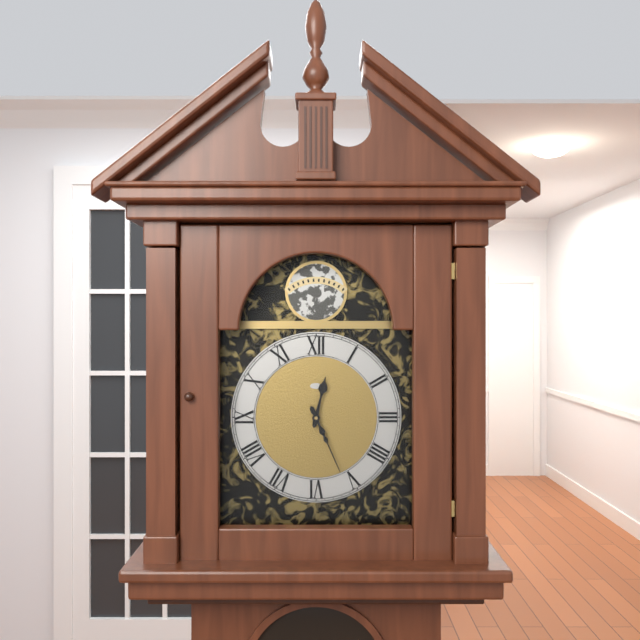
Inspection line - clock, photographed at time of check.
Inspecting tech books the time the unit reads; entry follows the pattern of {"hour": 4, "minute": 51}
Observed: {"hour": 12, "minute": 26}
